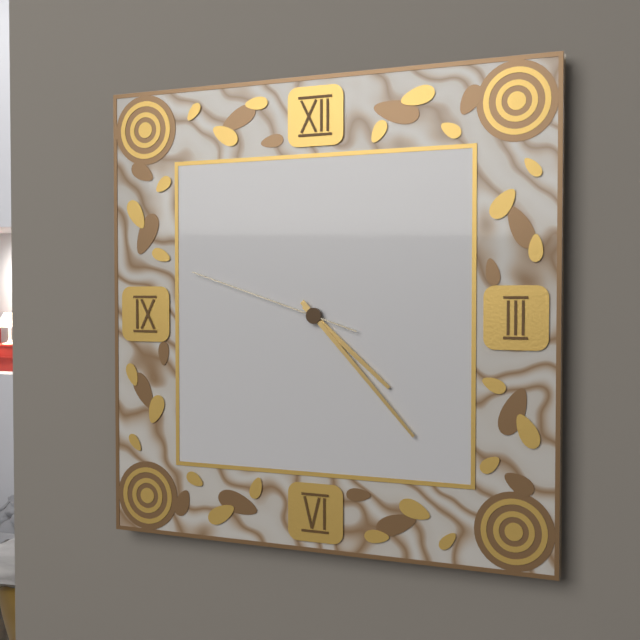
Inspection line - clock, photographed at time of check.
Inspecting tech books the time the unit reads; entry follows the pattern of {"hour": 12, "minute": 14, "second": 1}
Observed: {"hour": 4, "minute": 23, "second": 48}
